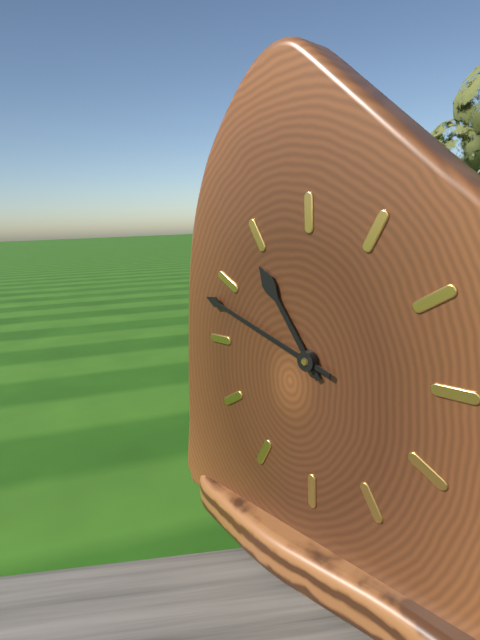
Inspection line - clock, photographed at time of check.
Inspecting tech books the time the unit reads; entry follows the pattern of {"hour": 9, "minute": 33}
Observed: {"hour": 10, "minute": 48}
